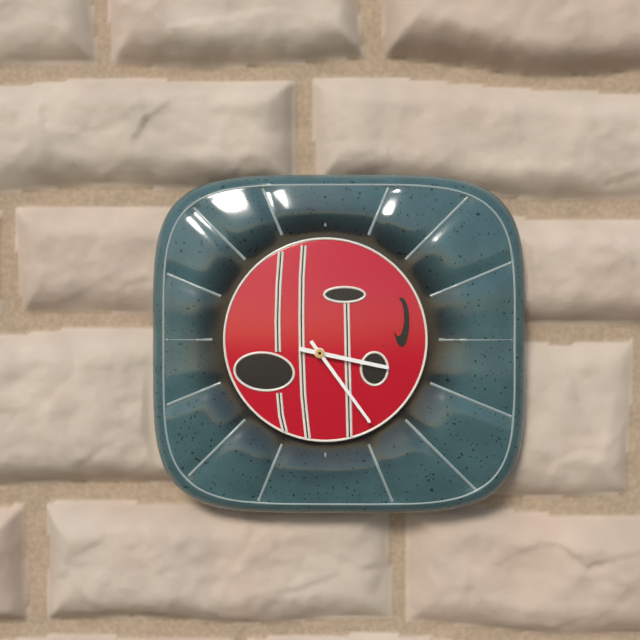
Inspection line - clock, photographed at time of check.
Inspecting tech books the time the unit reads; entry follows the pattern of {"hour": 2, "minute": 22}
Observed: {"hour": 3, "minute": 24}
